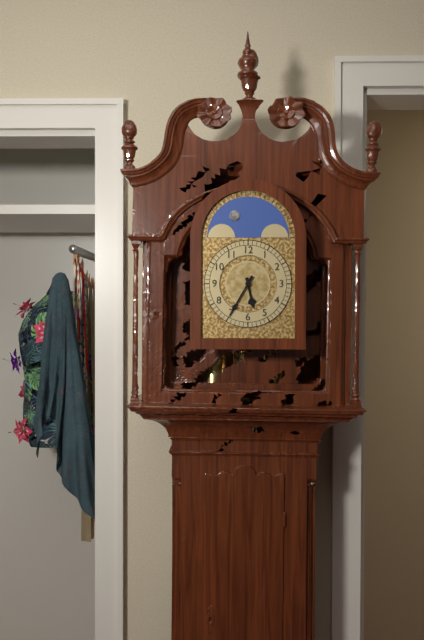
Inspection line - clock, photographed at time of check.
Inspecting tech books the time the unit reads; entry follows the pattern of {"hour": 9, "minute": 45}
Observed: {"hour": 5, "minute": 35}
